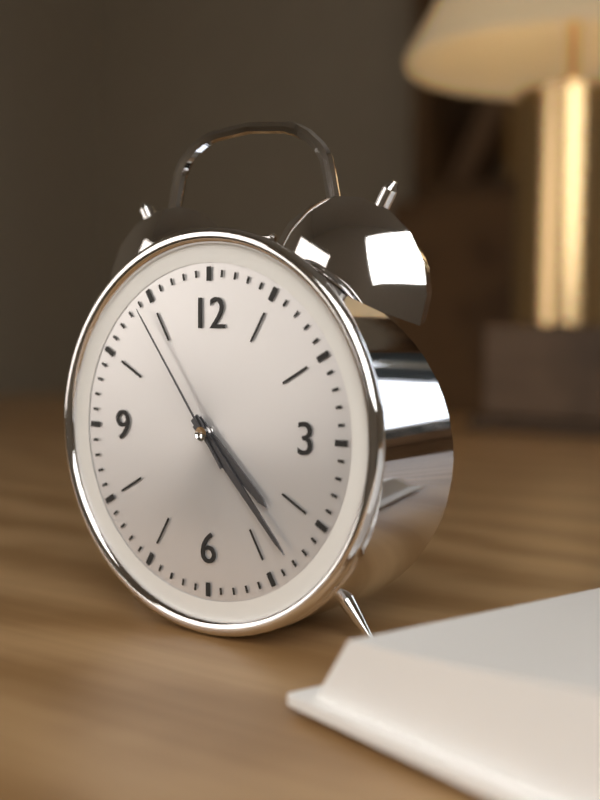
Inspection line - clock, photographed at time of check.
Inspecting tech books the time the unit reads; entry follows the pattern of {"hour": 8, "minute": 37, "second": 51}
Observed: {"hour": 4, "minute": 23, "second": 54}
